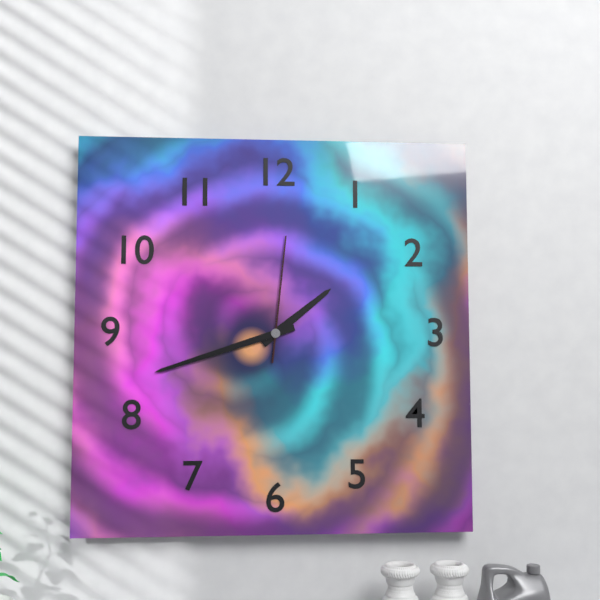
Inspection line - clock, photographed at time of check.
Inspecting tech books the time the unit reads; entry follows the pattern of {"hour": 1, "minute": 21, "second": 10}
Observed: {"hour": 1, "minute": 42, "second": 1}
